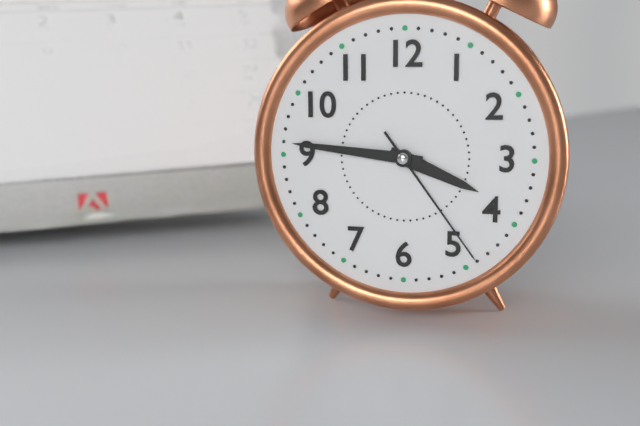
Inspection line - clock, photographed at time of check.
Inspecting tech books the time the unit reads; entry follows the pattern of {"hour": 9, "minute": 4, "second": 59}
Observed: {"hour": 3, "minute": 46, "second": 24}
